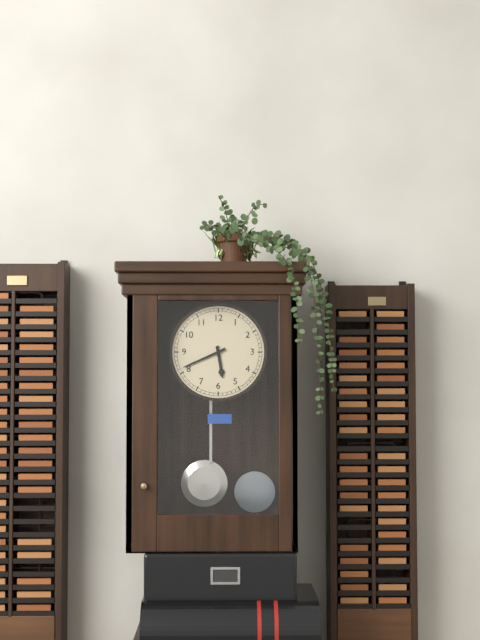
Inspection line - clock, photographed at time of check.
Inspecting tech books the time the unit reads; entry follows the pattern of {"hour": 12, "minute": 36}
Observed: {"hour": 5, "minute": 41}
